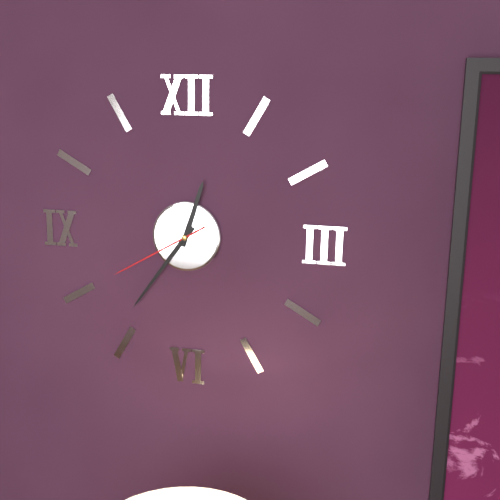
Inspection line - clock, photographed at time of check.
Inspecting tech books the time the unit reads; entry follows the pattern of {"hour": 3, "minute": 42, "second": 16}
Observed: {"hour": 12, "minute": 36, "second": 40}
